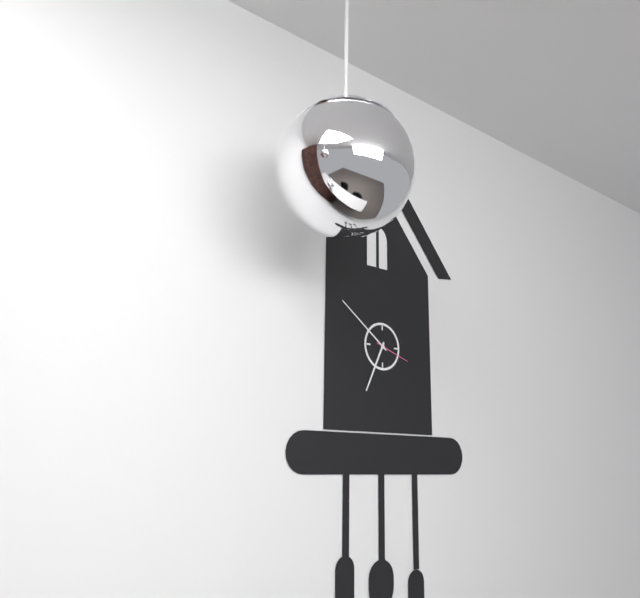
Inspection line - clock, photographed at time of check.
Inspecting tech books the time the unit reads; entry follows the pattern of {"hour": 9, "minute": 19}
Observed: {"hour": 6, "minute": 51}
